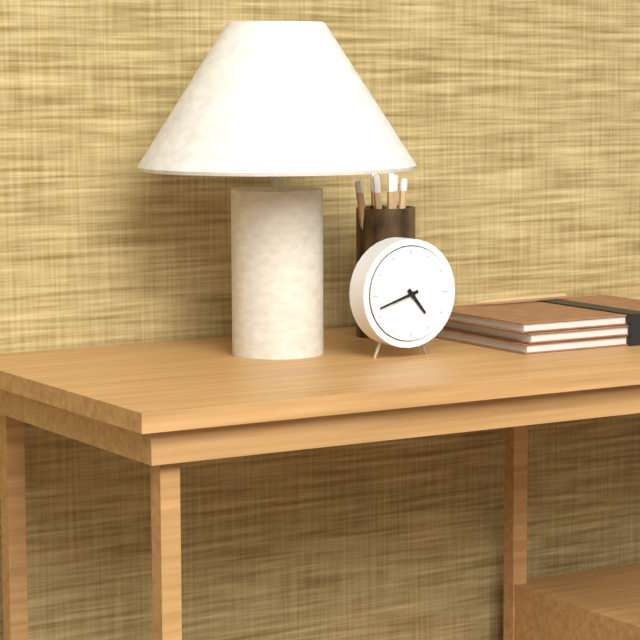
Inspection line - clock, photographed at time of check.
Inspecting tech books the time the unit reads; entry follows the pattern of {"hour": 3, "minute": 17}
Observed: {"hour": 4, "minute": 42}
